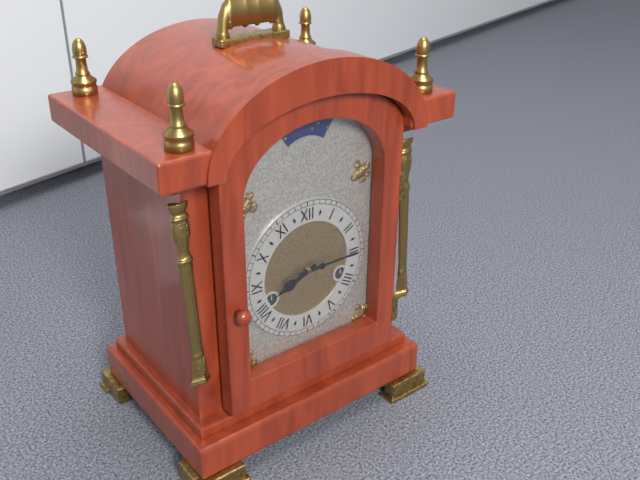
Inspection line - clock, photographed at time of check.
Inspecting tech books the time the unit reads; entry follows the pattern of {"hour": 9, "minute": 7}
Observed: {"hour": 8, "minute": 15}
